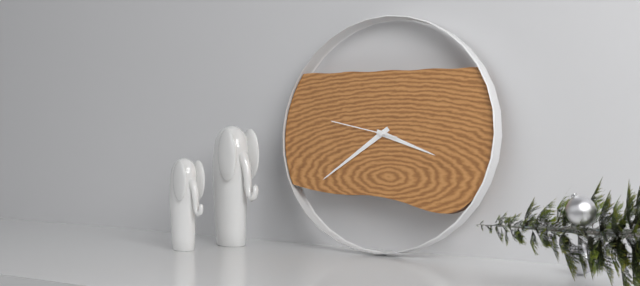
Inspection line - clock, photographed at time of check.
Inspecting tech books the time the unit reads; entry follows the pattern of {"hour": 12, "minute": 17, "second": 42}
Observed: {"hour": 3, "minute": 39, "second": 47}
